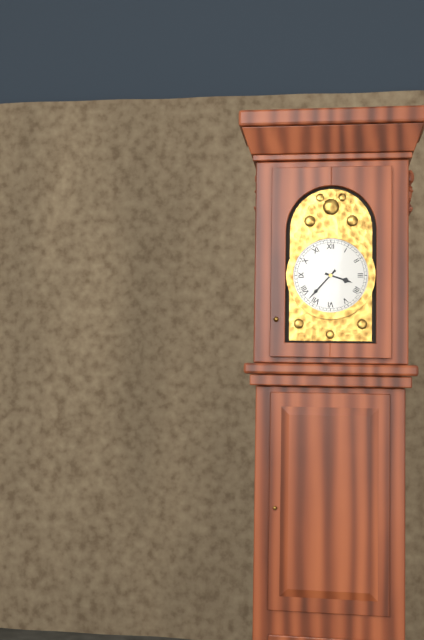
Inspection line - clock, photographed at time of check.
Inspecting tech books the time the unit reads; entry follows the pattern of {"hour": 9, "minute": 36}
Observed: {"hour": 3, "minute": 37}
